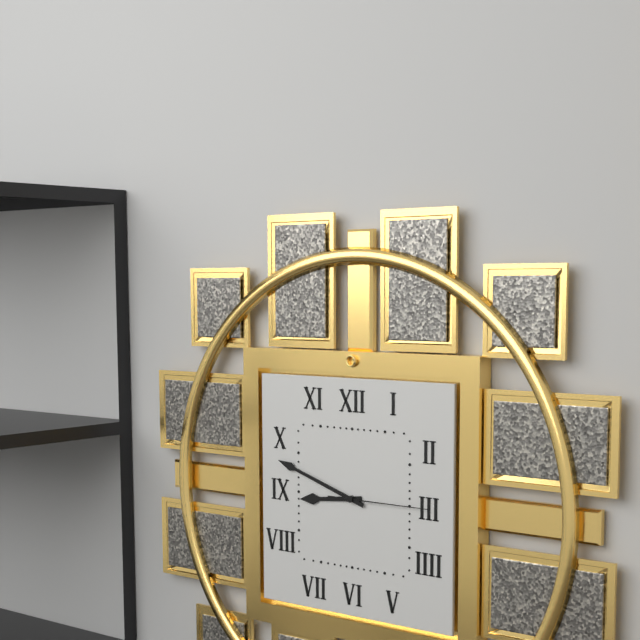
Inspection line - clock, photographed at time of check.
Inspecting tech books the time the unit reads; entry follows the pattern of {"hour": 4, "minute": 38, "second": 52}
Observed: {"hour": 8, "minute": 48, "second": 15}
